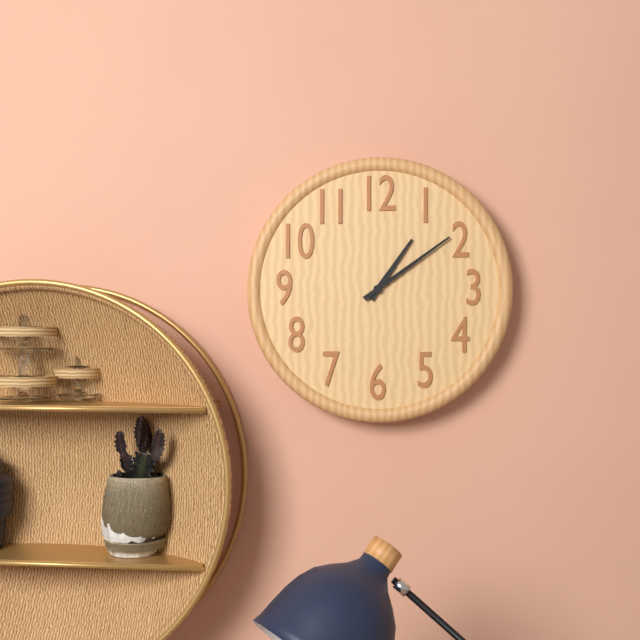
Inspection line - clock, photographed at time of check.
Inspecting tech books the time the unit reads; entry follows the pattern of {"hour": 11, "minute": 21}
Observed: {"hour": 1, "minute": 9}
